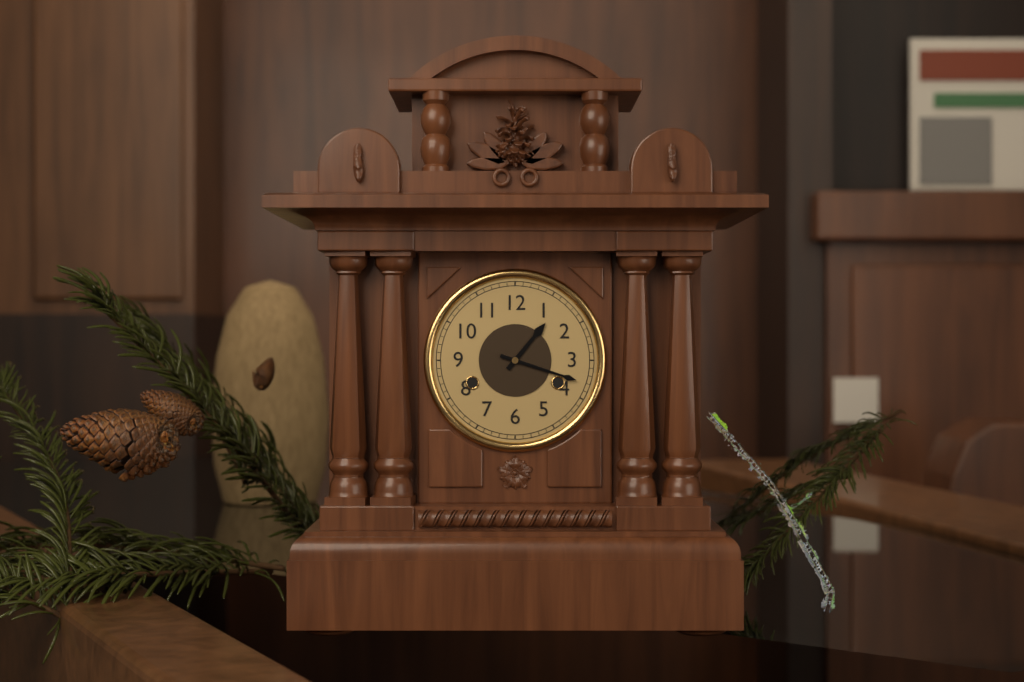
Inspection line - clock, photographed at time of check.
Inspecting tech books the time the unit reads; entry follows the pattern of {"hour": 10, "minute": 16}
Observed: {"hour": 1, "minute": 18}
